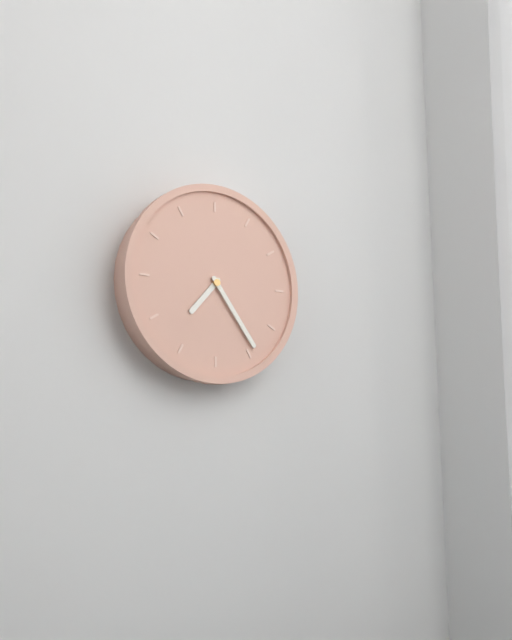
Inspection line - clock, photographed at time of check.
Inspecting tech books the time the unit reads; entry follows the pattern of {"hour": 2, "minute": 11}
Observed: {"hour": 7, "minute": 24}
